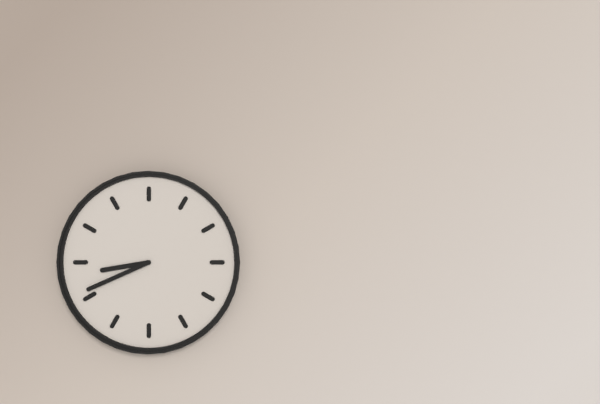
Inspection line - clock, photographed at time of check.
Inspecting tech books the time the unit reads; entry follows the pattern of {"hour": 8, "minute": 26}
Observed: {"hour": 8, "minute": 41}
